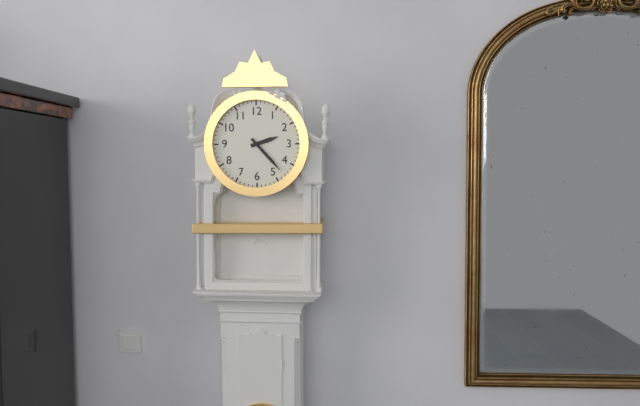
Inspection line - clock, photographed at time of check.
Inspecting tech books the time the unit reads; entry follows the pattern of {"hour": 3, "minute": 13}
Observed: {"hour": 2, "minute": 23}
